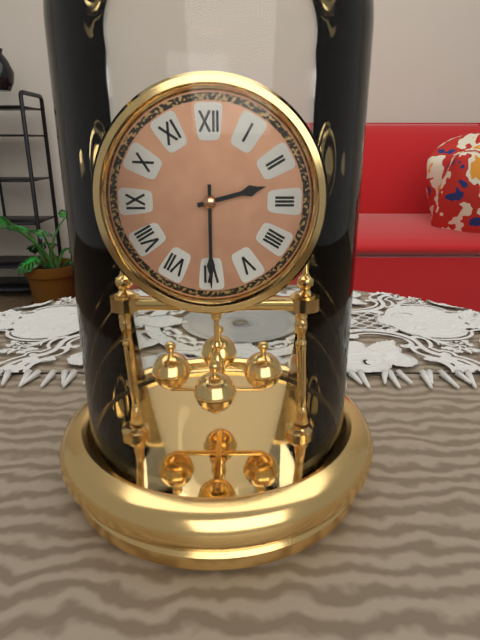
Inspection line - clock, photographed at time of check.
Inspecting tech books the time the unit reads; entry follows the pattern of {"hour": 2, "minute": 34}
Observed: {"hour": 2, "minute": 30}
